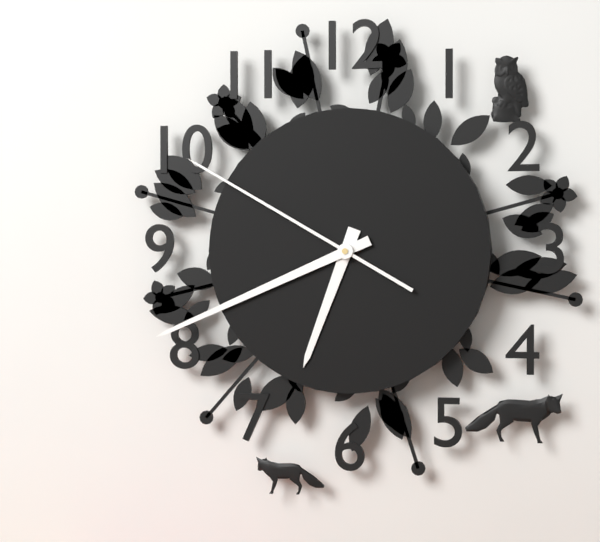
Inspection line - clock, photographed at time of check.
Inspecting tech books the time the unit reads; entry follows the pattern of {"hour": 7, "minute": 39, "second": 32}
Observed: {"hour": 6, "minute": 41, "second": 50}
